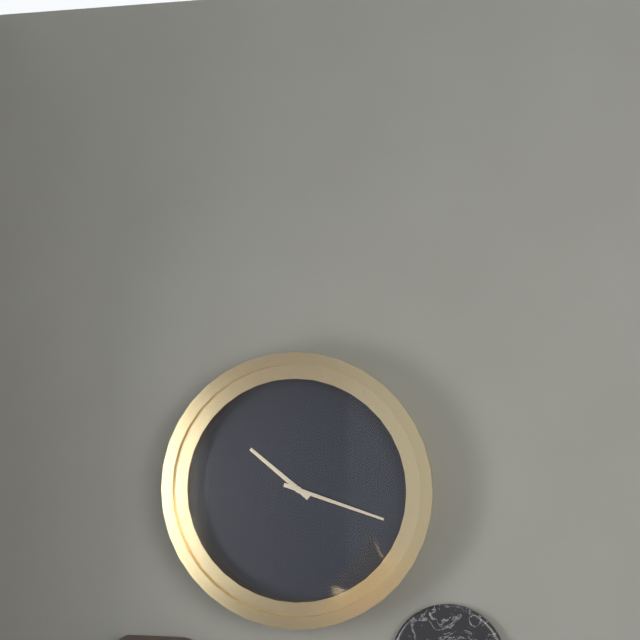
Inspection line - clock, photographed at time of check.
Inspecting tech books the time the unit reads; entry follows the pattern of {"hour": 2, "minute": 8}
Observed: {"hour": 10, "minute": 18}
